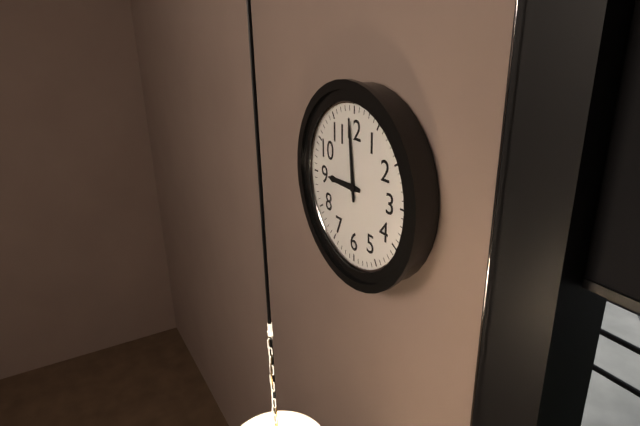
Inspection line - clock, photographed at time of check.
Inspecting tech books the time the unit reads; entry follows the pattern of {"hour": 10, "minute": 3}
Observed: {"hour": 8, "minute": 59}
